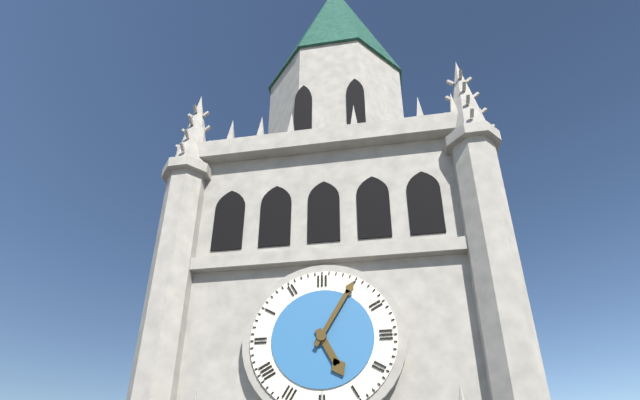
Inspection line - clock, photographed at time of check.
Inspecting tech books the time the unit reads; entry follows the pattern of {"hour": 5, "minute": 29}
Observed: {"hour": 5, "minute": 5}
